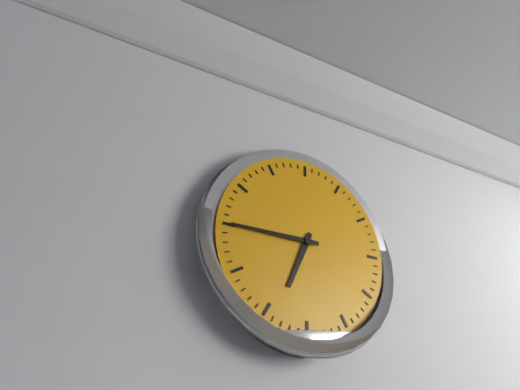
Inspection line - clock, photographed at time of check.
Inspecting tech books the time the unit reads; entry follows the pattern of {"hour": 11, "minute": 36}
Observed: {"hour": 6, "minute": 45}
